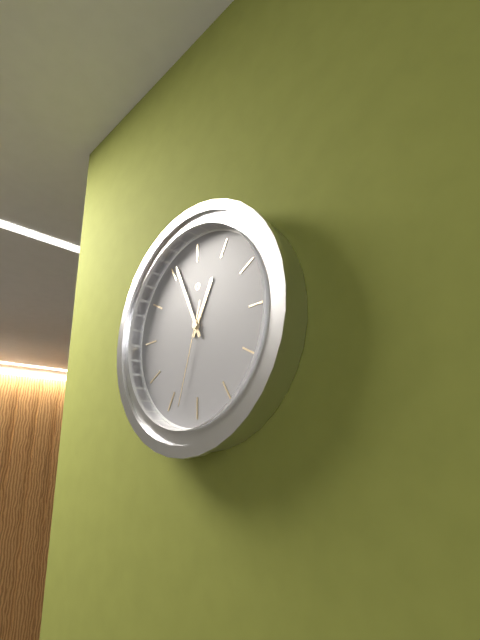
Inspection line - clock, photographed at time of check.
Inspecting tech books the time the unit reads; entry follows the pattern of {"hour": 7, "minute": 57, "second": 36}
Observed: {"hour": 12, "minute": 56, "second": 33}
